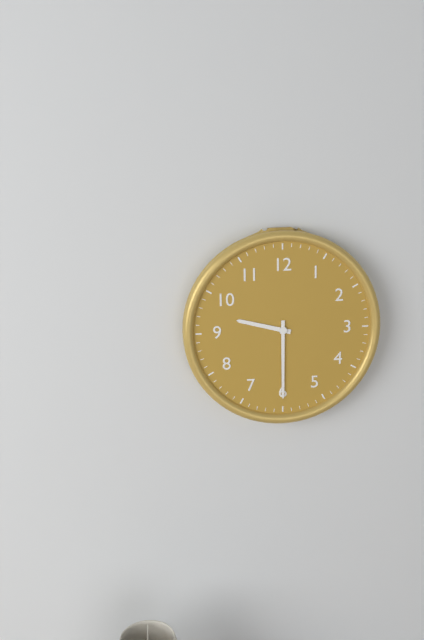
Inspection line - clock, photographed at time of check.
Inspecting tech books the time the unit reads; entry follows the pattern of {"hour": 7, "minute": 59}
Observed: {"hour": 9, "minute": 30}
